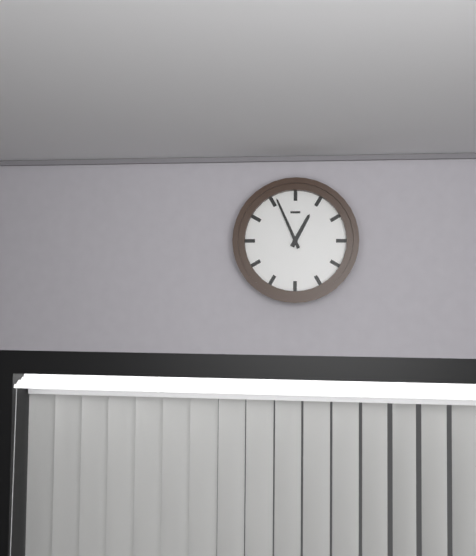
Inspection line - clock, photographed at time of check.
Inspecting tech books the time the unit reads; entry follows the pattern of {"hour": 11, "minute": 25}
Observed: {"hour": 12, "minute": 56}
